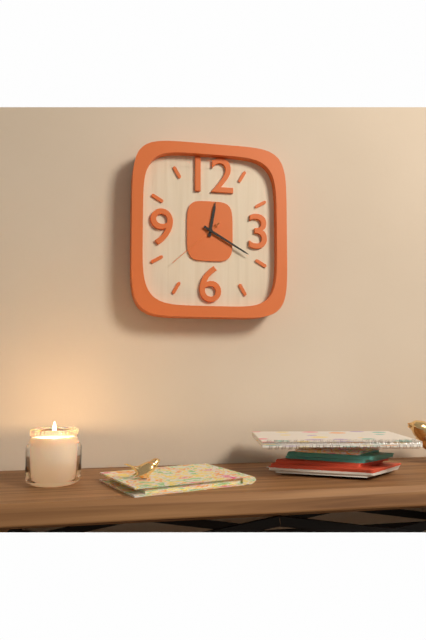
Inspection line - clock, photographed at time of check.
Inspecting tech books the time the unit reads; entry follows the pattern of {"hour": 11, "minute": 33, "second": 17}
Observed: {"hour": 12, "minute": 20, "second": 38}
